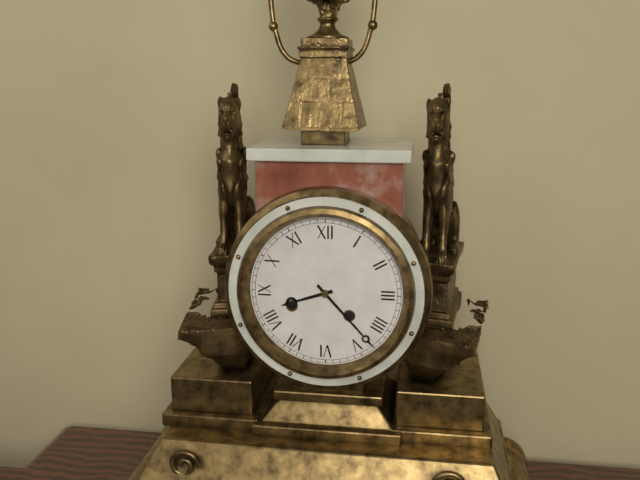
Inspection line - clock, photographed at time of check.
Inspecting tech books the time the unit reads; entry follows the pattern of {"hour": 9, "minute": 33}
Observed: {"hour": 8, "minute": 23}
